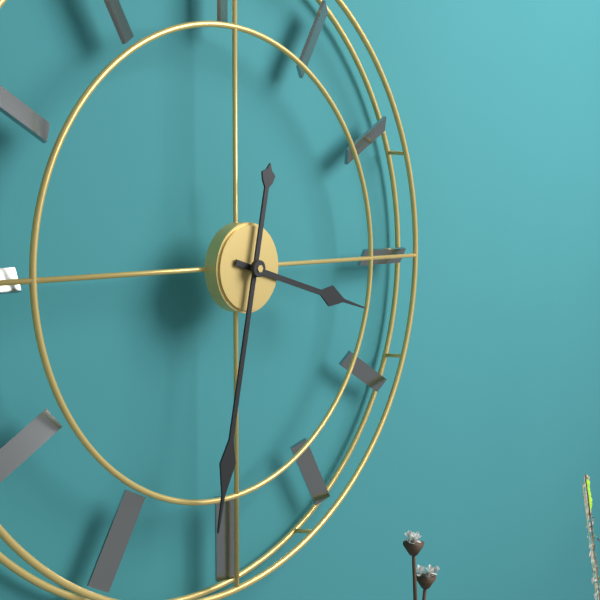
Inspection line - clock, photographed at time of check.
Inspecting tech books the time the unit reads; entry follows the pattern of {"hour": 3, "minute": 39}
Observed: {"hour": 3, "minute": 32}
